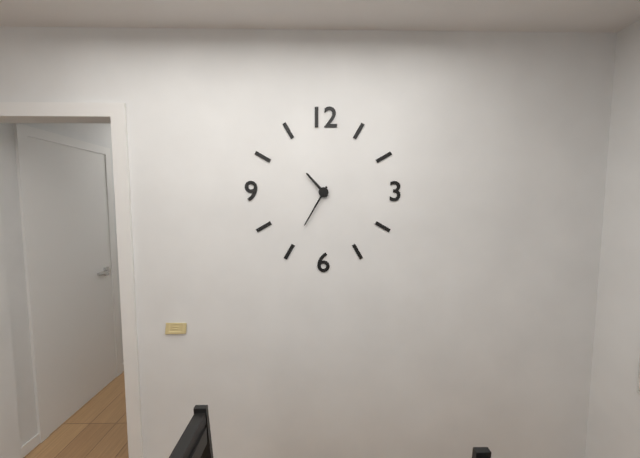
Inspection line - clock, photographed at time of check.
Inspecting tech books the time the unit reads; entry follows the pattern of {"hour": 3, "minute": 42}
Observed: {"hour": 10, "minute": 35}
